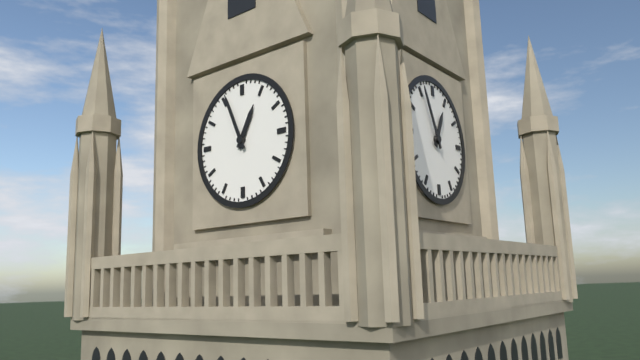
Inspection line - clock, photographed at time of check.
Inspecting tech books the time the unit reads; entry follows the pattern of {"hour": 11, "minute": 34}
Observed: {"hour": 12, "minute": 56}
